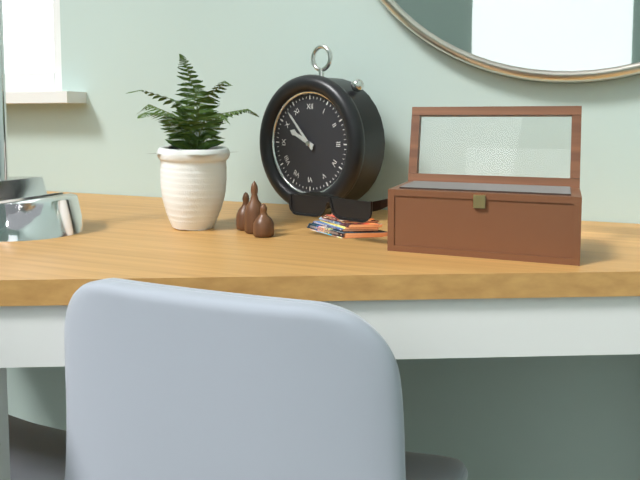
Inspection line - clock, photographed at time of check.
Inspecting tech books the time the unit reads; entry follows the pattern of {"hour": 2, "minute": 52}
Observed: {"hour": 9, "minute": 53}
